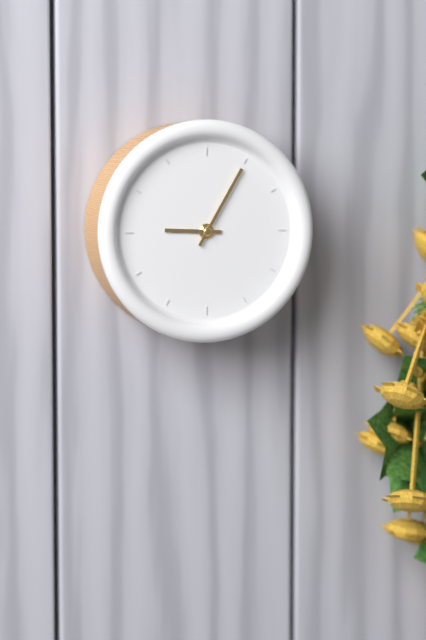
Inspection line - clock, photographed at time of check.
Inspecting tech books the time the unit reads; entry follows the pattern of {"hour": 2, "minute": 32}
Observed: {"hour": 9, "minute": 5}
